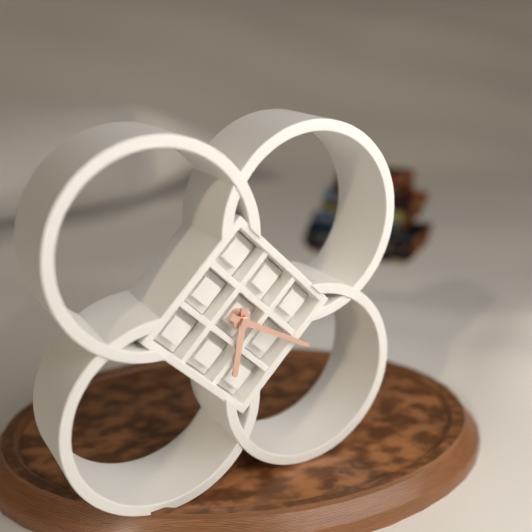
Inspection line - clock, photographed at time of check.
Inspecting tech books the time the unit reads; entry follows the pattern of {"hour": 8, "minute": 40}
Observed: {"hour": 6, "minute": 20}
